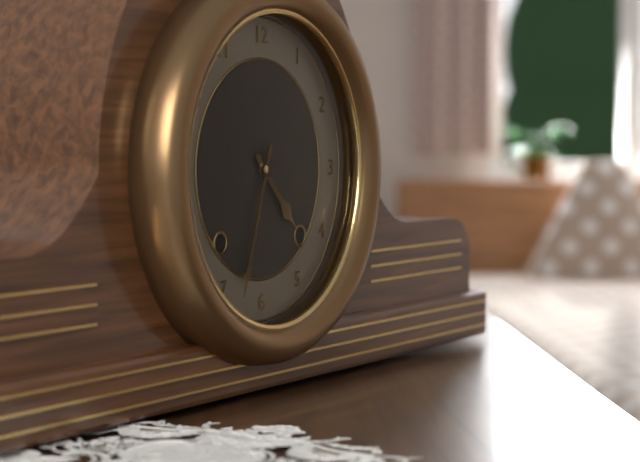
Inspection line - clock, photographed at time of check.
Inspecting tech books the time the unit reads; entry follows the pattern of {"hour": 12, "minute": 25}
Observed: {"hour": 4, "minute": 33}
